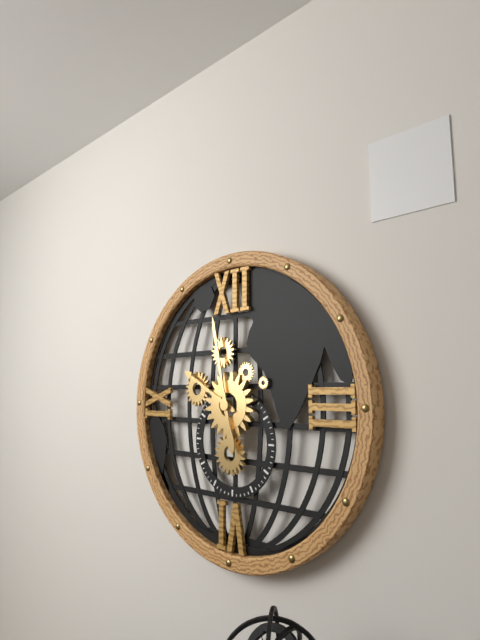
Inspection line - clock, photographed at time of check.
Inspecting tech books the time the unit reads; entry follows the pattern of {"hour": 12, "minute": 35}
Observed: {"hour": 9, "minute": 58}
